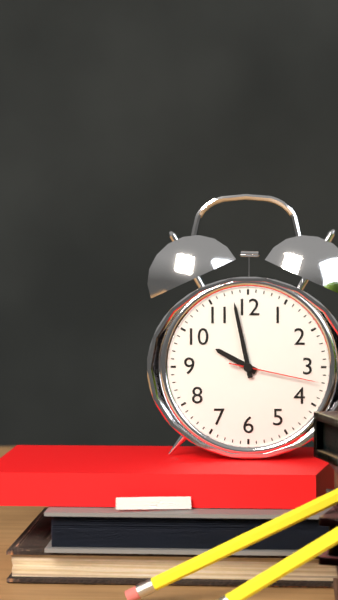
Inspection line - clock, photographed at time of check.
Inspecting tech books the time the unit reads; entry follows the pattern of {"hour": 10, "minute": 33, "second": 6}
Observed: {"hour": 9, "minute": 58, "second": 17}
